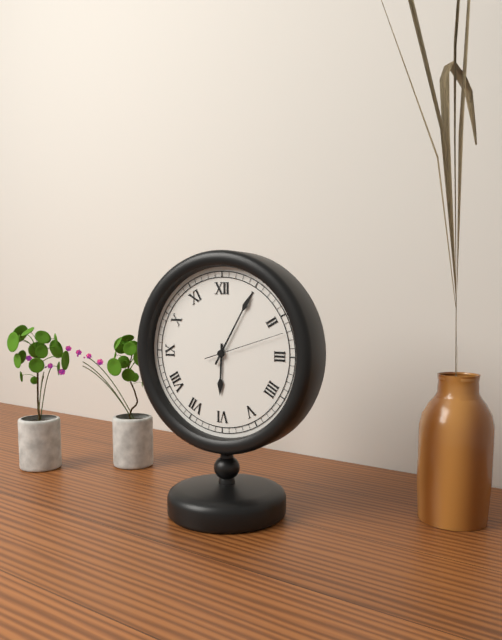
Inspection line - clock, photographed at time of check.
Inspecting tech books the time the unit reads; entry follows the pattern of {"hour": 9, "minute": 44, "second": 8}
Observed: {"hour": 6, "minute": 5, "second": 12}
